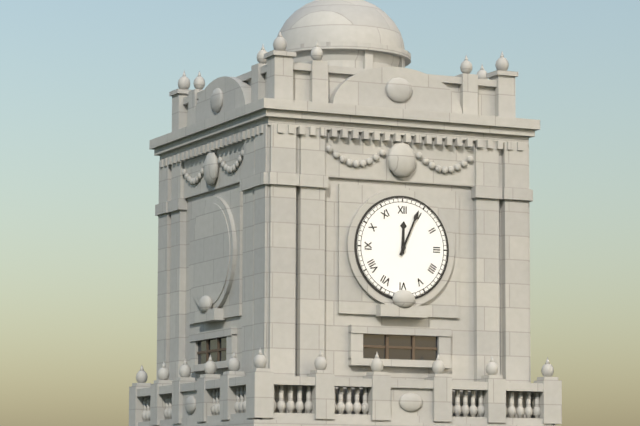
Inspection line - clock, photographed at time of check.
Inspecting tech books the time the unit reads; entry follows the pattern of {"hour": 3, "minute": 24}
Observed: {"hour": 12, "minute": 4}
